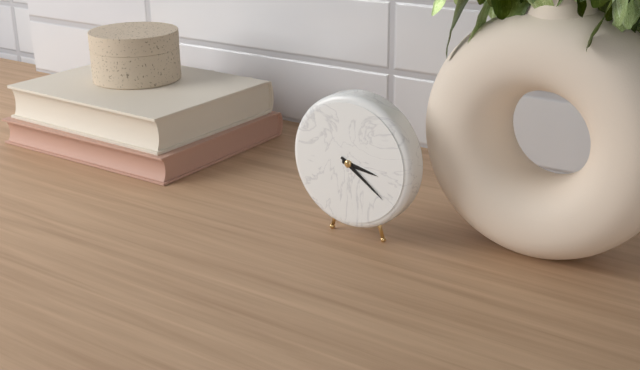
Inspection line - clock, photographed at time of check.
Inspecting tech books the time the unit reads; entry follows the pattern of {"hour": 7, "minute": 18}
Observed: {"hour": 3, "minute": 21}
